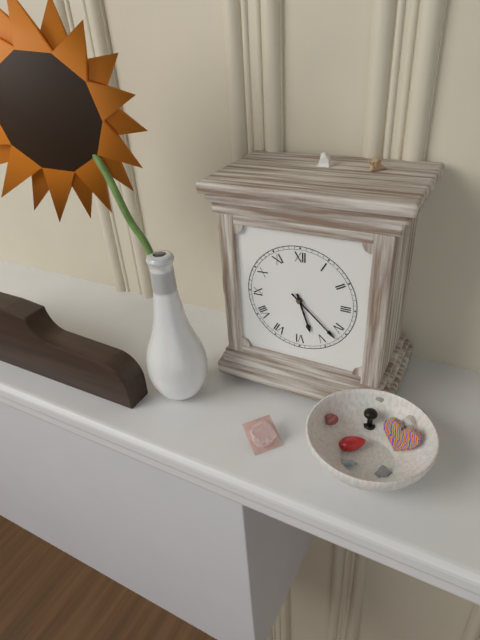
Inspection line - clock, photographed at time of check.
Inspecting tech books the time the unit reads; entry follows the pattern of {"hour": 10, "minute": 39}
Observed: {"hour": 5, "minute": 22}
